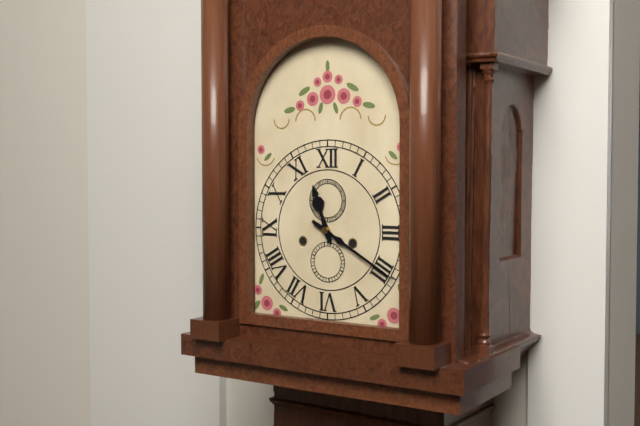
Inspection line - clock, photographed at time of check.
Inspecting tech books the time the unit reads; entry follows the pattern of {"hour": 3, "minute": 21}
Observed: {"hour": 11, "minute": 20}
